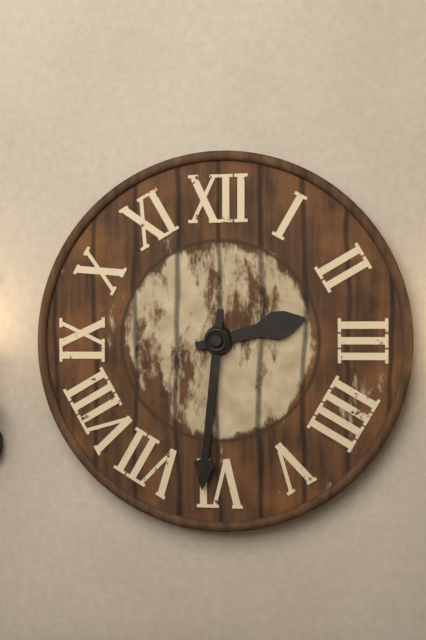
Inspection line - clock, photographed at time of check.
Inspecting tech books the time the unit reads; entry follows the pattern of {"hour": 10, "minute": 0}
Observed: {"hour": 2, "minute": 31}
